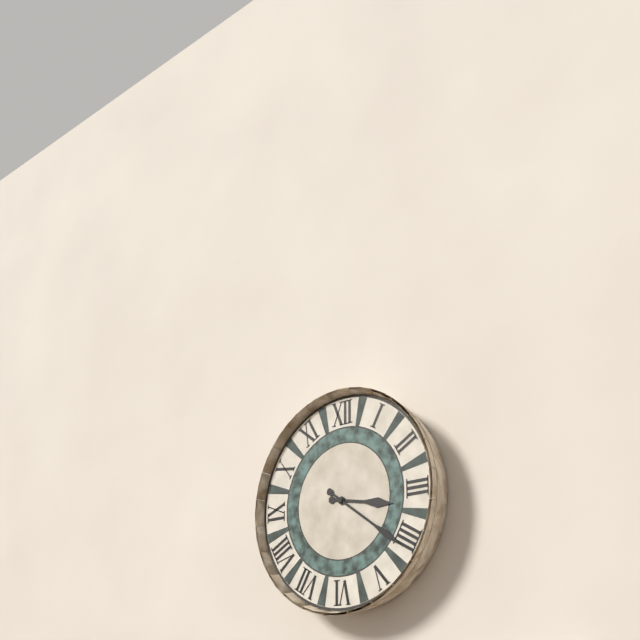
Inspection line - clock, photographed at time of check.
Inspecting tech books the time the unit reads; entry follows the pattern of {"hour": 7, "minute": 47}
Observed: {"hour": 3, "minute": 21}
